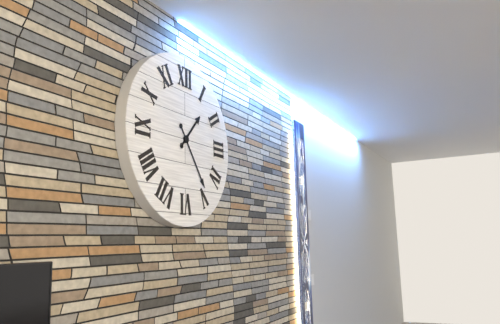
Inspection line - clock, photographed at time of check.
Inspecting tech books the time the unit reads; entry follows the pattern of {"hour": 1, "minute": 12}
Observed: {"hour": 1, "minute": 24}
